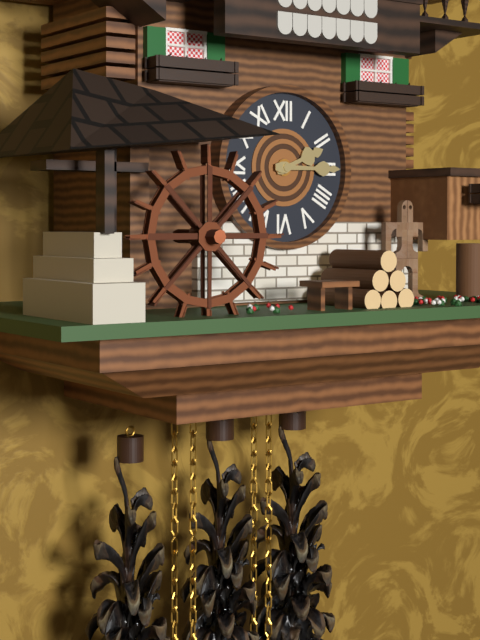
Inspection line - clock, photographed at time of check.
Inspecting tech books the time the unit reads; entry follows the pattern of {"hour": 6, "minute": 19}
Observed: {"hour": 2, "minute": 15}
